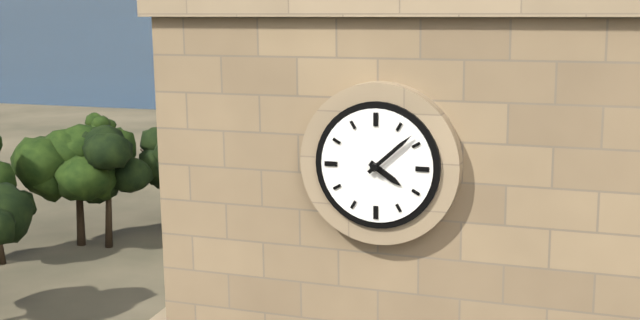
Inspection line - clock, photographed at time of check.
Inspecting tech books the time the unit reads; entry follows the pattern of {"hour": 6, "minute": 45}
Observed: {"hour": 4, "minute": 8}
